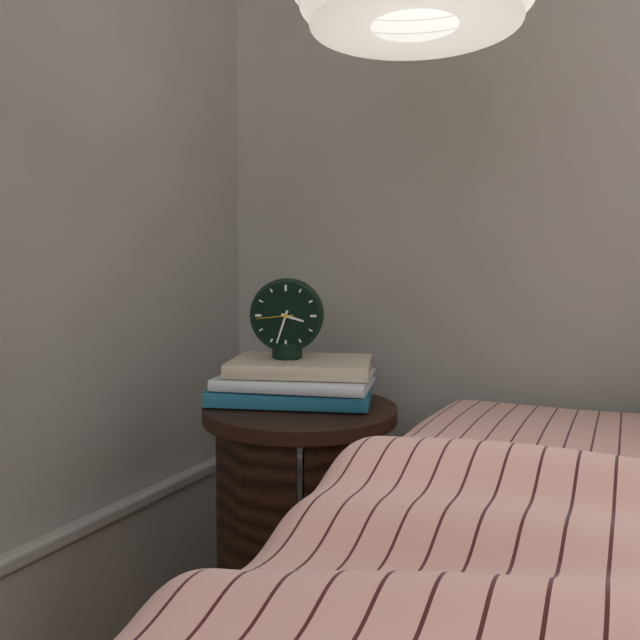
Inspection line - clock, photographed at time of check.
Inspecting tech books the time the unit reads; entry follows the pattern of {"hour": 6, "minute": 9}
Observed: {"hour": 3, "minute": 33}
